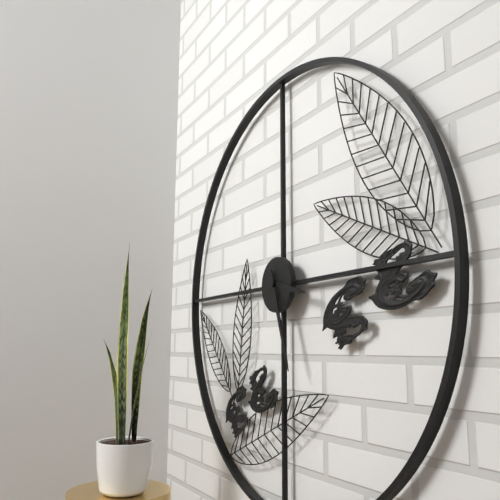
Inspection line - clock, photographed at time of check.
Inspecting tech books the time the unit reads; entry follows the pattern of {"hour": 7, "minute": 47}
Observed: {"hour": 3, "minute": 27}
